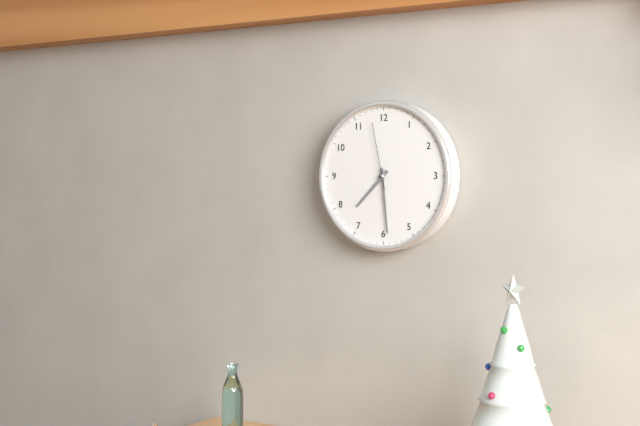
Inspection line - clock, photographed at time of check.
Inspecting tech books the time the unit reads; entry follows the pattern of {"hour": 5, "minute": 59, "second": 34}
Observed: {"hour": 7, "minute": 29, "second": 58}
